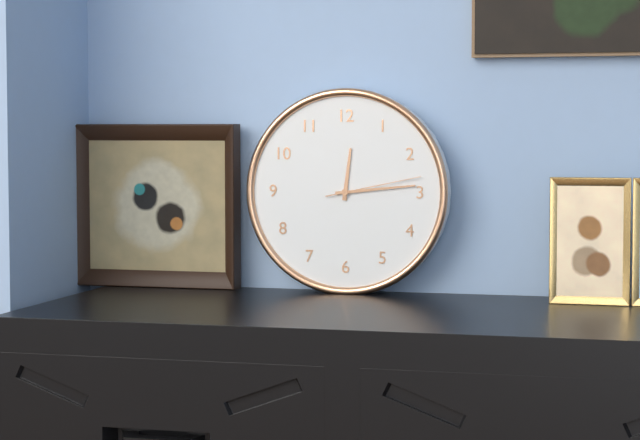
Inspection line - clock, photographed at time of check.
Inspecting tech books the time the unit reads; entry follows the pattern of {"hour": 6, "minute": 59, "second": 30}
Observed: {"hour": 12, "minute": 14, "second": 13}
